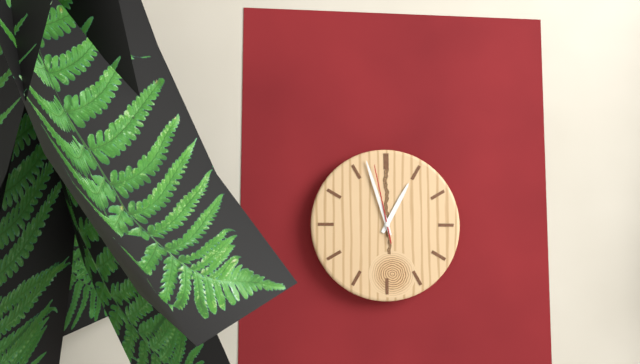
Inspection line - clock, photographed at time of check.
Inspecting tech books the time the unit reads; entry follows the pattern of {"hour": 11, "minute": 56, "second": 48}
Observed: {"hour": 12, "minute": 57, "second": 58}
